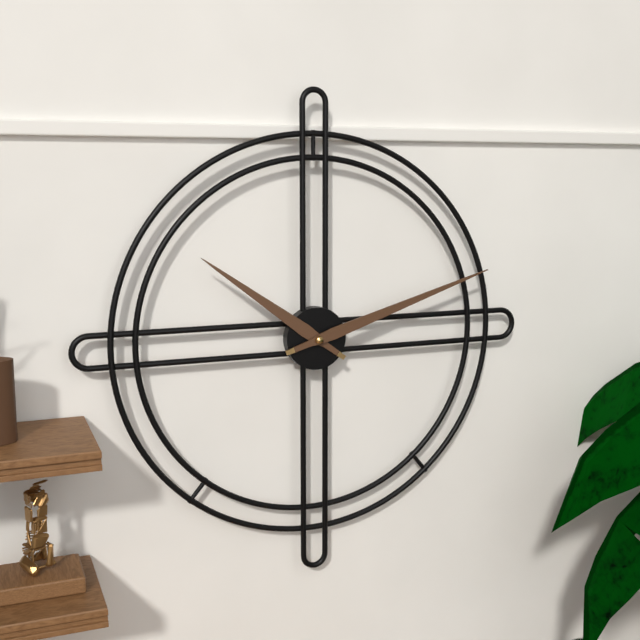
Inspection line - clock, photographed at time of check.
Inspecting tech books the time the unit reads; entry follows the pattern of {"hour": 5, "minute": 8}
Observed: {"hour": 10, "minute": 12}
